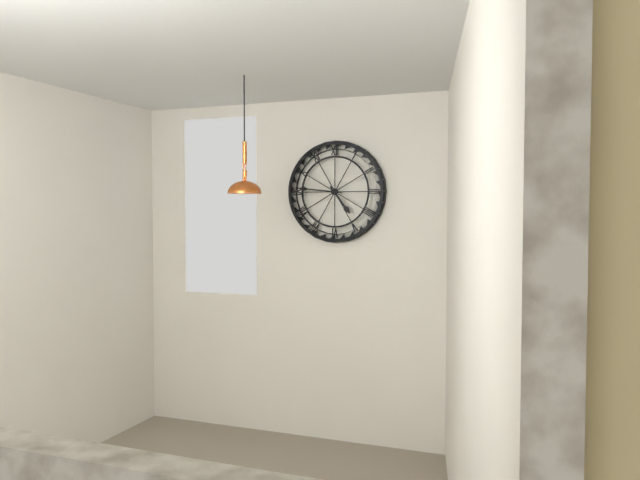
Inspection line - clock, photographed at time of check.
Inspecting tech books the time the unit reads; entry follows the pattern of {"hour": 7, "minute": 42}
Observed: {"hour": 4, "minute": 46}
